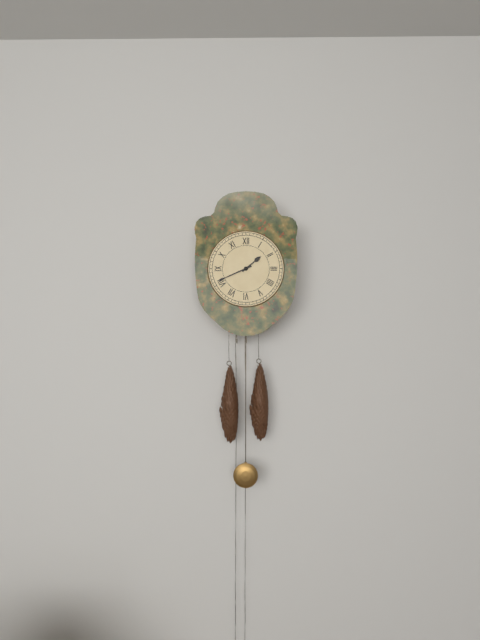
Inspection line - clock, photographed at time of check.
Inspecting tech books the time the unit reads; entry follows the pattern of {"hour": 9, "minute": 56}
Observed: {"hour": 1, "minute": 41}
